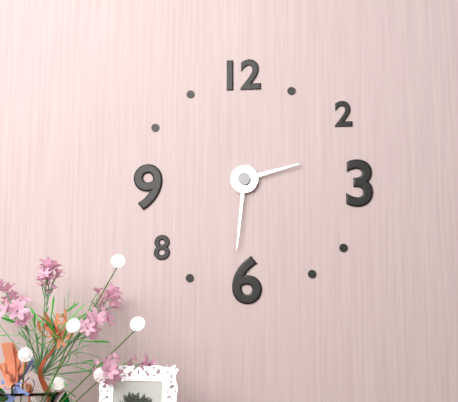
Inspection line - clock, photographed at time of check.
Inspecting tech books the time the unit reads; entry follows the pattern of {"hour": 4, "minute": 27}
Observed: {"hour": 2, "minute": 31}
